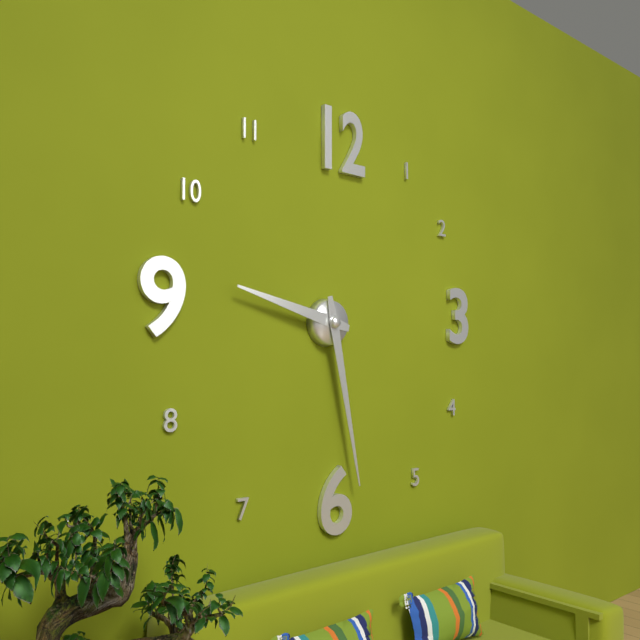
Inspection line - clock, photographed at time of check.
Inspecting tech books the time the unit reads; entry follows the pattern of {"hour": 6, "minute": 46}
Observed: {"hour": 9, "minute": 28}
